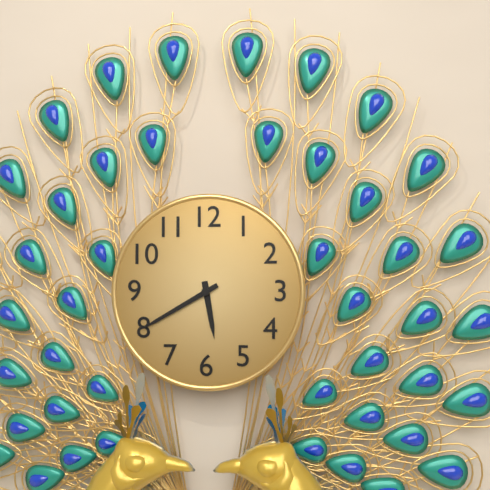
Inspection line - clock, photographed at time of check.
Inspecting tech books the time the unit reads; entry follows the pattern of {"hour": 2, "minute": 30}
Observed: {"hour": 5, "minute": 40}
